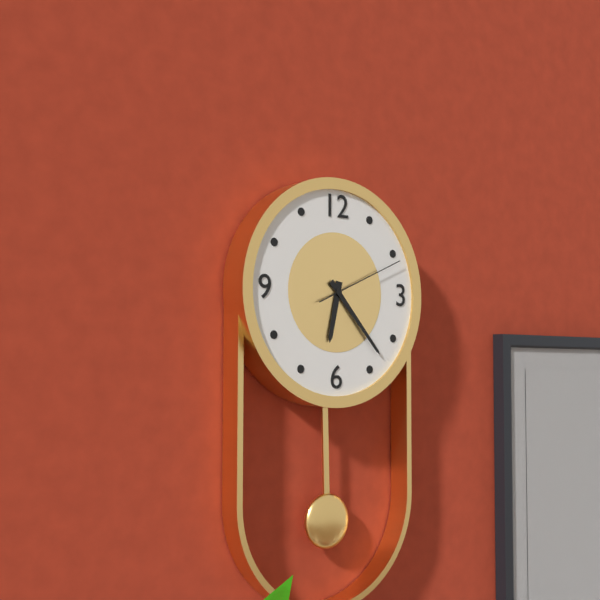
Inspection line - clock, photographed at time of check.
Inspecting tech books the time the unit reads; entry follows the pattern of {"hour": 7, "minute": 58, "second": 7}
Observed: {"hour": 6, "minute": 23, "second": 11}
